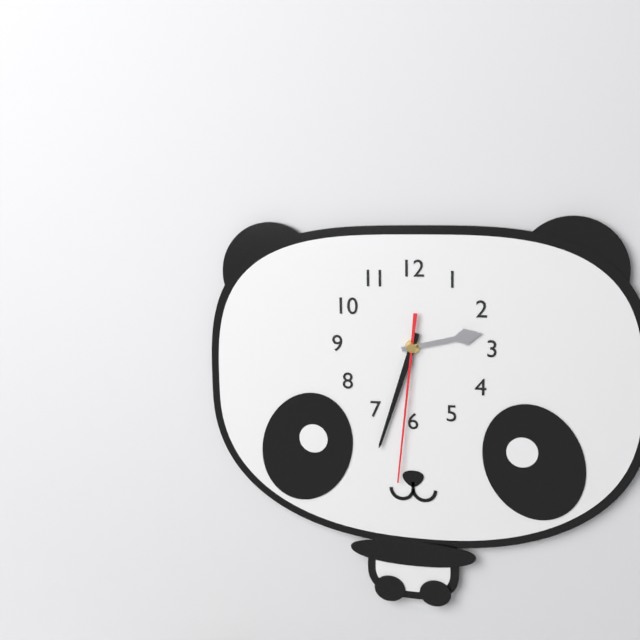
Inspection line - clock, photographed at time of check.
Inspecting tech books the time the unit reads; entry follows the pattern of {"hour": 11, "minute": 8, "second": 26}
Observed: {"hour": 2, "minute": 33, "second": 31}
